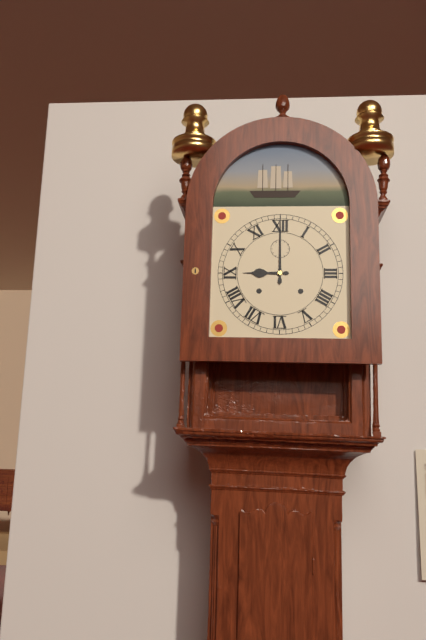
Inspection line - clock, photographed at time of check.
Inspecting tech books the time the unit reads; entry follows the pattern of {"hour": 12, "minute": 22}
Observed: {"hour": 9, "minute": 0}
